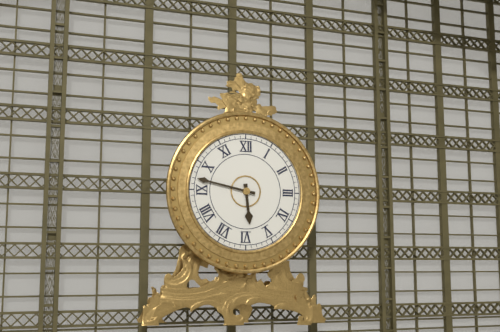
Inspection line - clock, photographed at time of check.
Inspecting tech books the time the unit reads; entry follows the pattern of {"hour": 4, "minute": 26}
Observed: {"hour": 5, "minute": 47}
